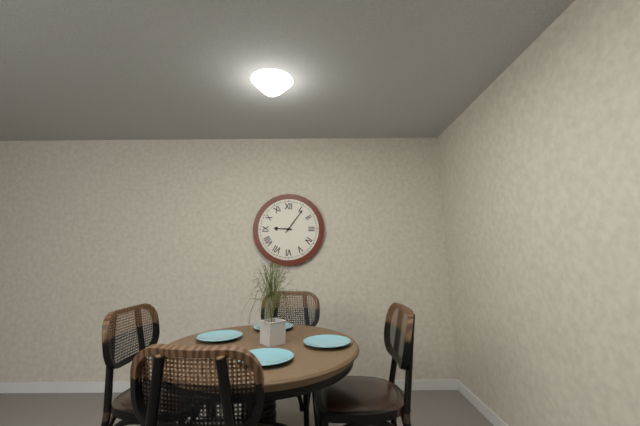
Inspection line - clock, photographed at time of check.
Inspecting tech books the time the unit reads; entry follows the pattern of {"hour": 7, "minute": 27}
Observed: {"hour": 9, "minute": 6}
